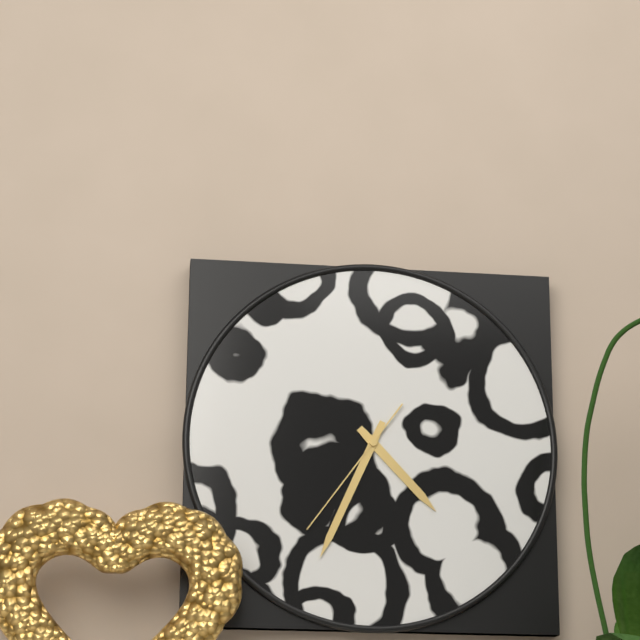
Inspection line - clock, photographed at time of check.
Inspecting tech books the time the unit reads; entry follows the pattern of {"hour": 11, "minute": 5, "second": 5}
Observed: {"hour": 4, "minute": 34, "second": 36}
